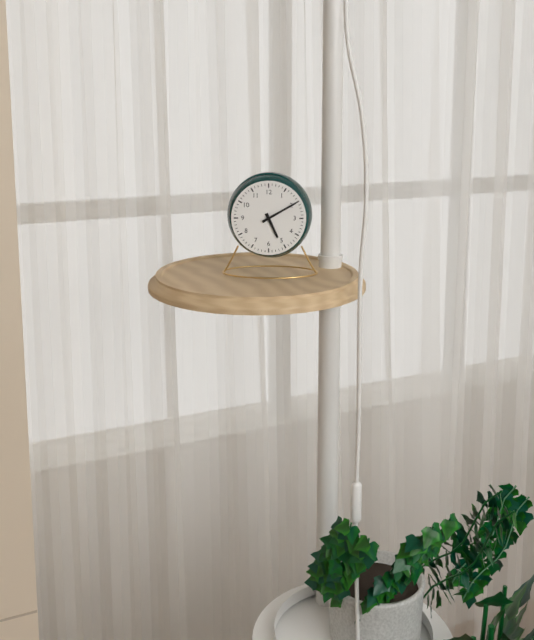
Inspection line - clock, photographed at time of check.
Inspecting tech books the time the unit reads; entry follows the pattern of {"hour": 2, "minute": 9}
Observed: {"hour": 5, "minute": 10}
